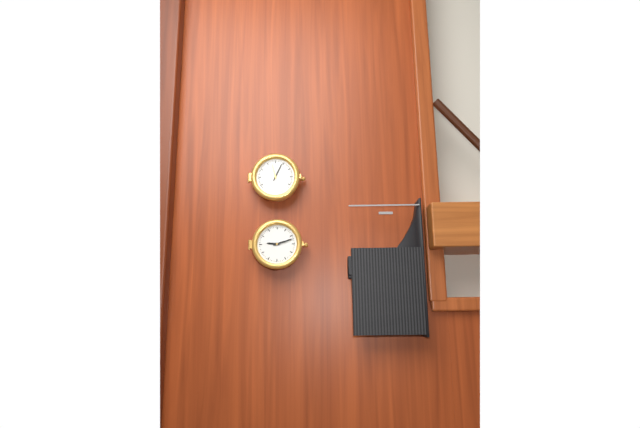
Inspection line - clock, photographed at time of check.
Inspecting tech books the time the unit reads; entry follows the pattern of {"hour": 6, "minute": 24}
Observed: {"hour": 9, "minute": 12}
